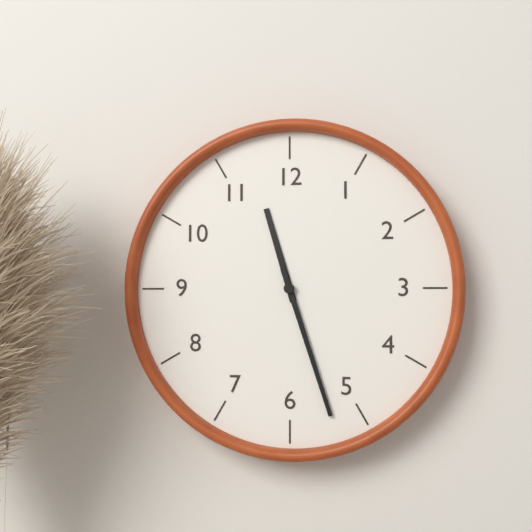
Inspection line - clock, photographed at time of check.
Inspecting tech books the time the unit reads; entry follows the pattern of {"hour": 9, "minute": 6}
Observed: {"hour": 11, "minute": 27}
